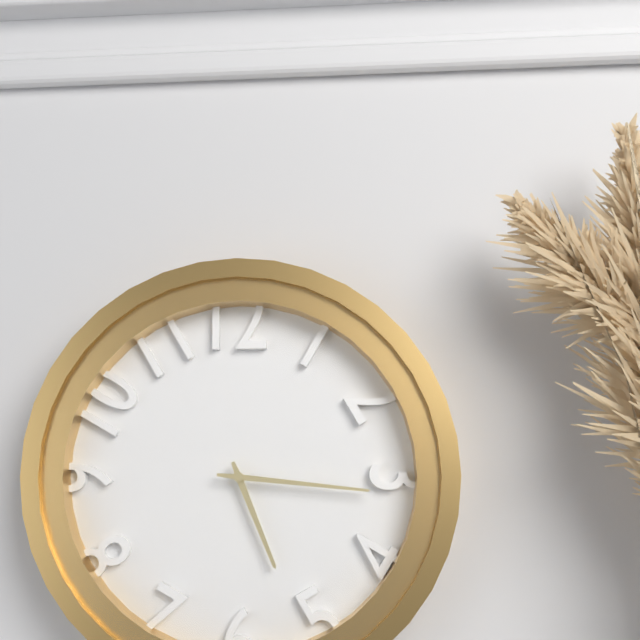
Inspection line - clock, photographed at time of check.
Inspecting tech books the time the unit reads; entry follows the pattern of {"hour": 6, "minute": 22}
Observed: {"hour": 5, "minute": 16}
